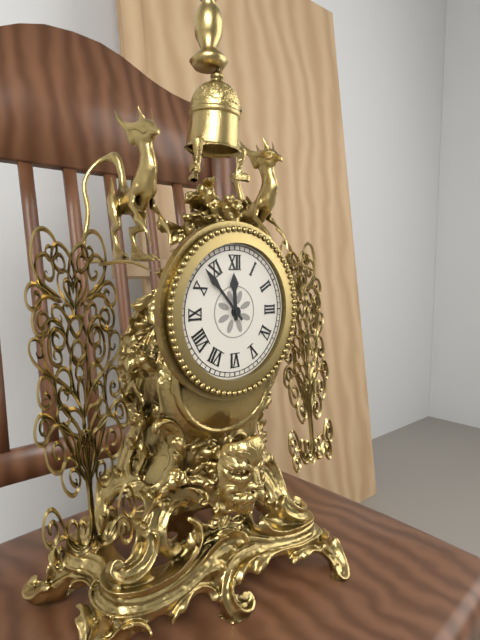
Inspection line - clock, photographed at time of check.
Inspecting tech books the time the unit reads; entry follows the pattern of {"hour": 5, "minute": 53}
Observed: {"hour": 11, "minute": 53}
